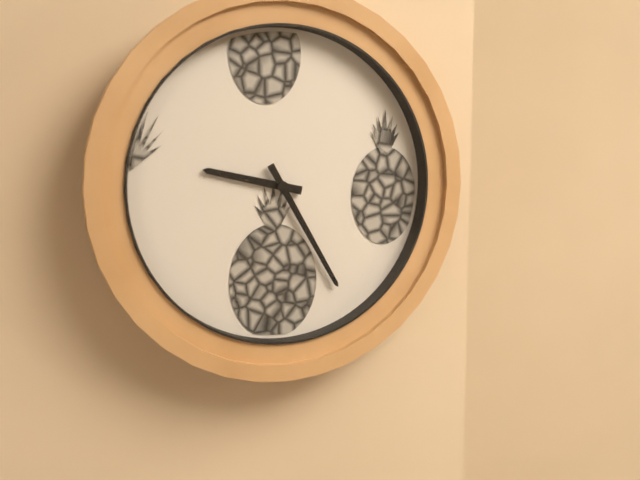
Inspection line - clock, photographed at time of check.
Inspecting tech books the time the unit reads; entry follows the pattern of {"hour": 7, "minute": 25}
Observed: {"hour": 9, "minute": 25}
